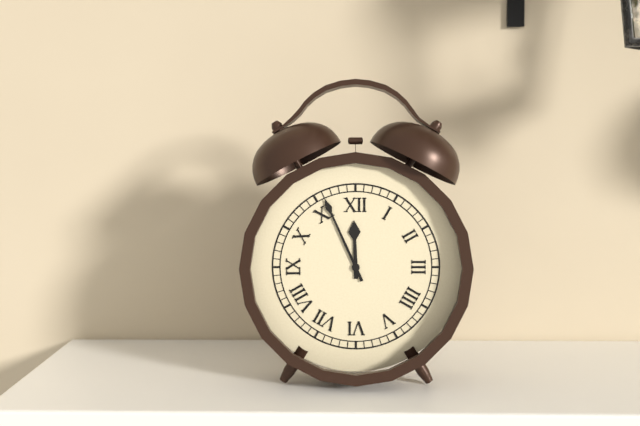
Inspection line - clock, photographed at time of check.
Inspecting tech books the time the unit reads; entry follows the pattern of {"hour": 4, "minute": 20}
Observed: {"hour": 11, "minute": 56}
